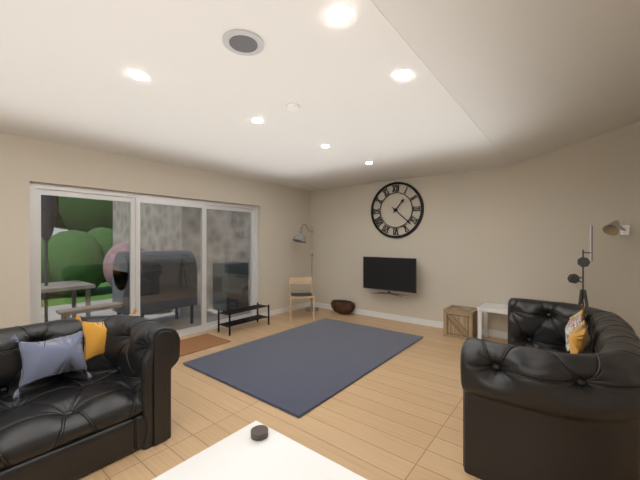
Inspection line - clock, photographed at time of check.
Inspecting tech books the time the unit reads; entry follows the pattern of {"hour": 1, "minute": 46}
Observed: {"hour": 1, "minute": 22}
